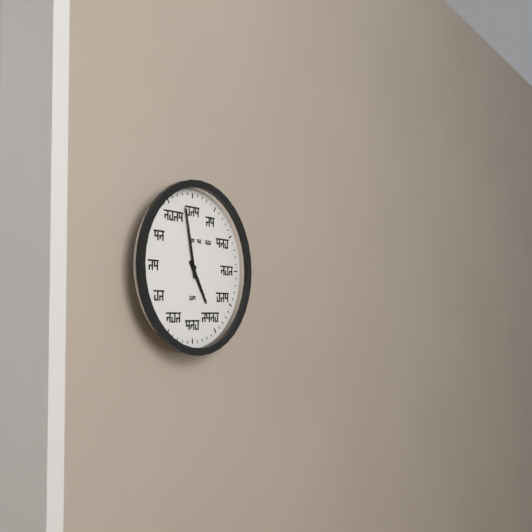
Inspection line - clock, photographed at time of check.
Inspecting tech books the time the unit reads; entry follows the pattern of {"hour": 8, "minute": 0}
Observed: {"hour": 4, "minute": 58}
